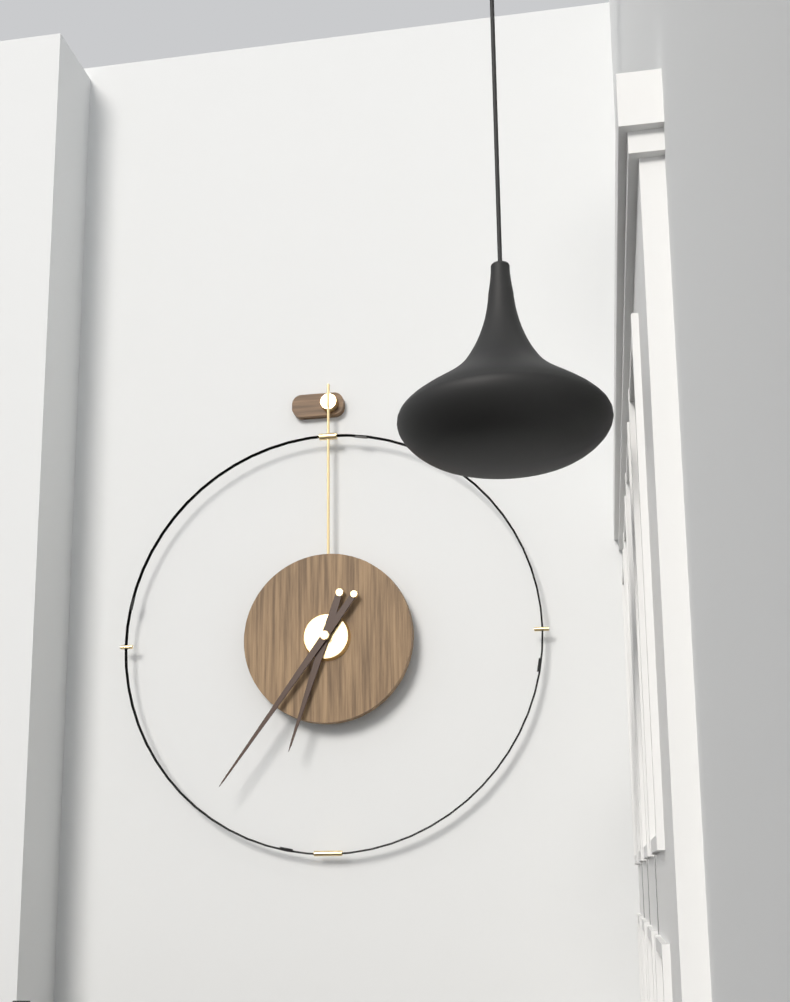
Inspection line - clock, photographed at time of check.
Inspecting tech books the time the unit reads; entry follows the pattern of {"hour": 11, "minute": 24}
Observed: {"hour": 6, "minute": 36}
